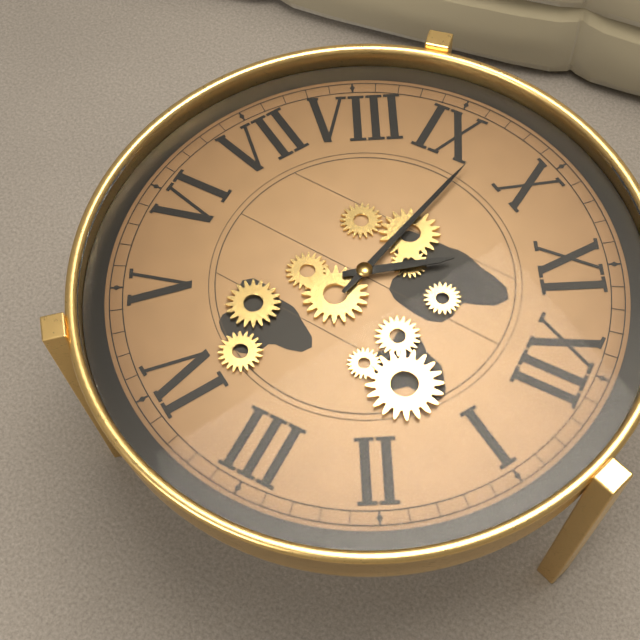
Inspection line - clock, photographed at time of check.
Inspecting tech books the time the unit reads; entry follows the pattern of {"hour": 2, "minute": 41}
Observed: {"hour": 10, "minute": 47}
